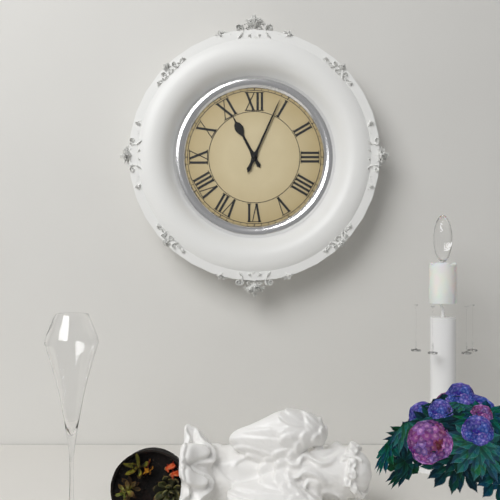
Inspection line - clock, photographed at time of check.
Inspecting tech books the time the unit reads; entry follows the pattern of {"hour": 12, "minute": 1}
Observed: {"hour": 11, "minute": 4}
